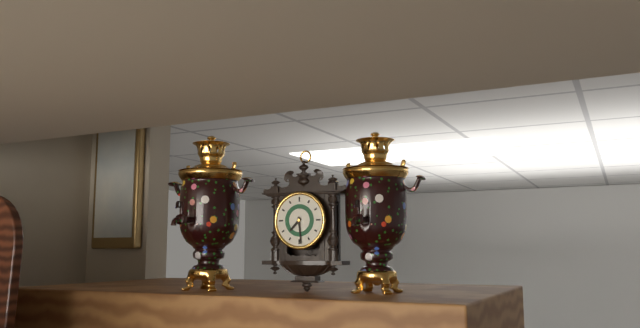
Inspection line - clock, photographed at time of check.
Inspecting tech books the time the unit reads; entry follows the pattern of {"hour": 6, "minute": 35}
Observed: {"hour": 7, "minute": 29}
